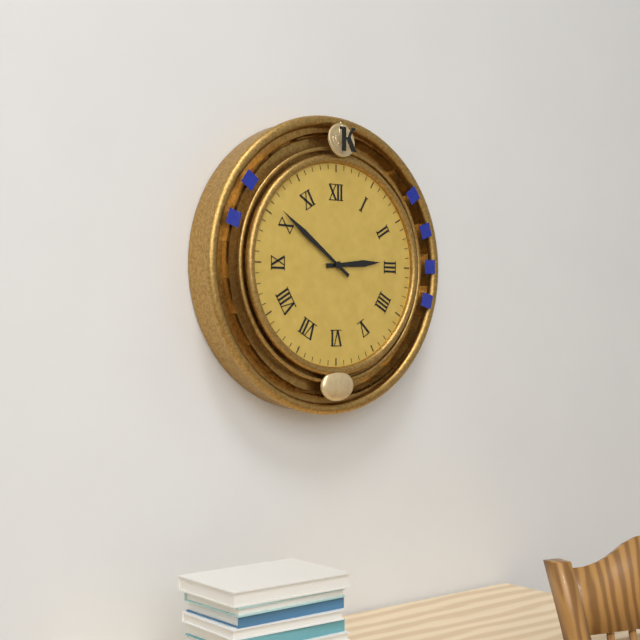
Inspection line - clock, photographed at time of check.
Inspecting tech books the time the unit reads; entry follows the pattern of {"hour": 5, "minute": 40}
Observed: {"hour": 2, "minute": 51}
